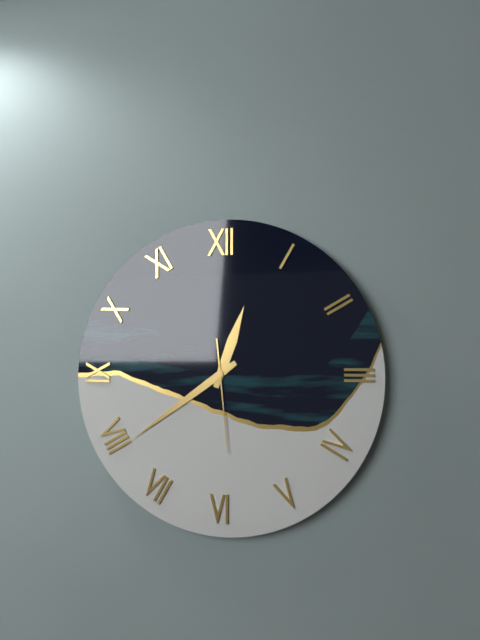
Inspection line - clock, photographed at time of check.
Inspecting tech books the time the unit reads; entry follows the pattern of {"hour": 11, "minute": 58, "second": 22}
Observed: {"hour": 12, "minute": 39, "second": 29}
